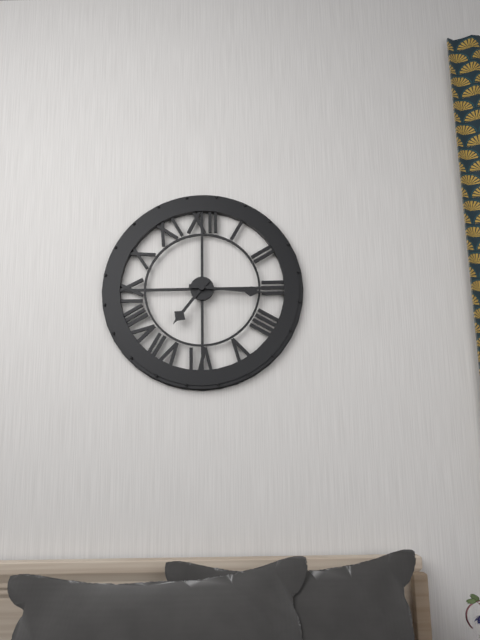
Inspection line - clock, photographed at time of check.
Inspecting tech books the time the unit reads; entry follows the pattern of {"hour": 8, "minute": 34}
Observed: {"hour": 7, "minute": 16}
